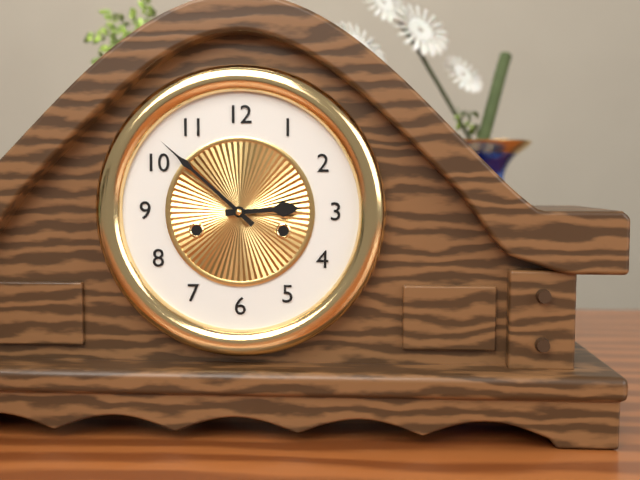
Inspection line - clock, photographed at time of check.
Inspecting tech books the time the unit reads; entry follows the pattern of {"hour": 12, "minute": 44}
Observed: {"hour": 2, "minute": 52}
